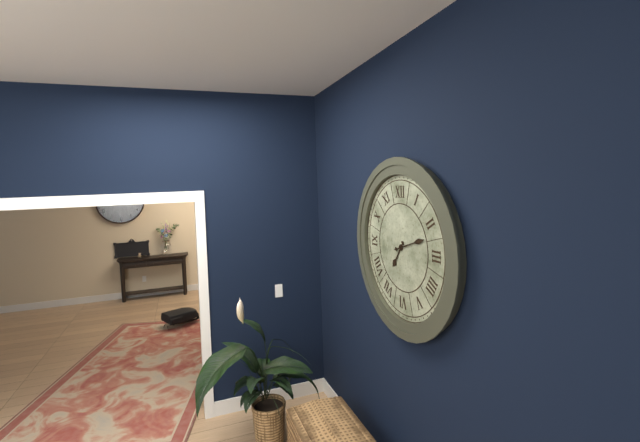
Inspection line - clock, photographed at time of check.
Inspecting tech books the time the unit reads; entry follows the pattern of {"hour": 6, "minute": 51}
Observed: {"hour": 7, "minute": 12}
